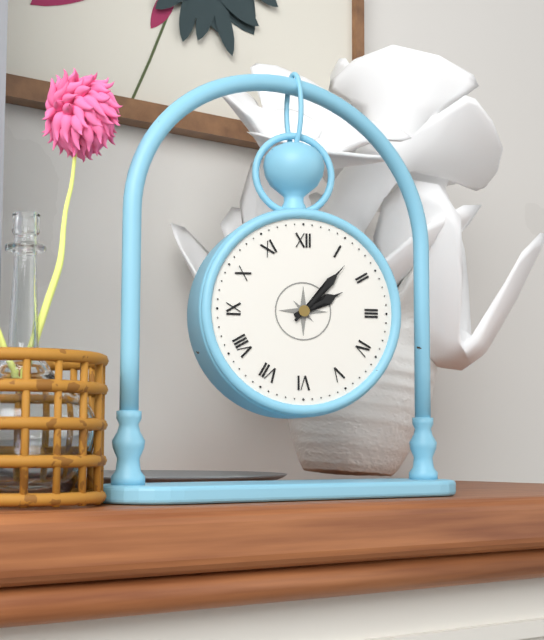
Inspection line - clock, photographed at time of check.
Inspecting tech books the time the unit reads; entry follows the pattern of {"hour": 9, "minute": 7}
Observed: {"hour": 2, "minute": 7}
